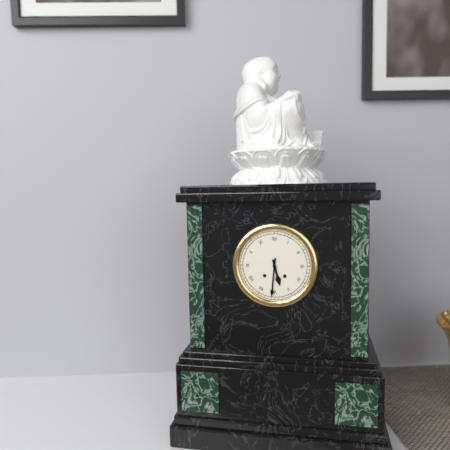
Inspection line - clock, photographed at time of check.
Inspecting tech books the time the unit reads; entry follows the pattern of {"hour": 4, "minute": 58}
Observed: {"hour": 5, "minute": 31}
